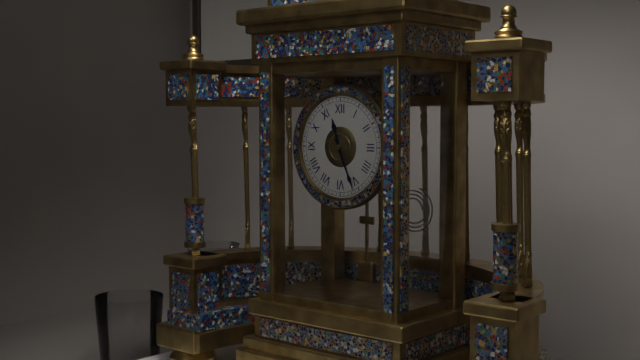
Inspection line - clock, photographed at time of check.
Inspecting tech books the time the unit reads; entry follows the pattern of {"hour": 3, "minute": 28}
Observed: {"hour": 11, "minute": 26}
